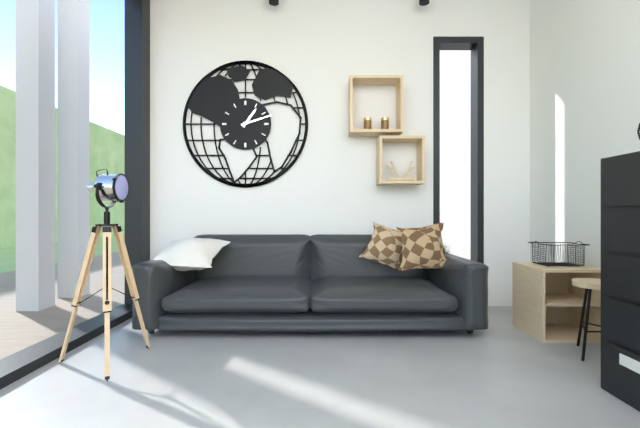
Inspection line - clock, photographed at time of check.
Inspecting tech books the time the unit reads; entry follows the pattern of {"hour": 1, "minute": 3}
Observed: {"hour": 1, "minute": 12}
